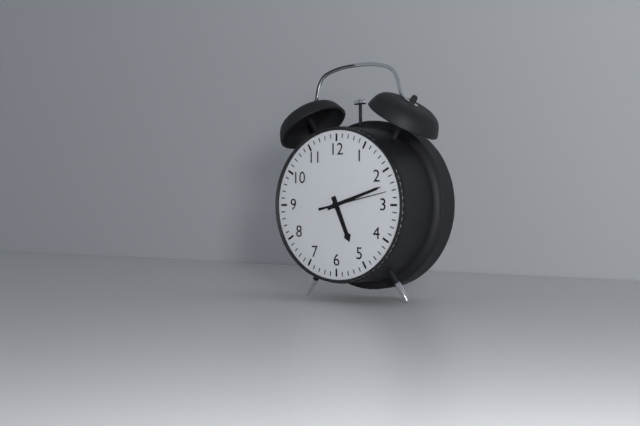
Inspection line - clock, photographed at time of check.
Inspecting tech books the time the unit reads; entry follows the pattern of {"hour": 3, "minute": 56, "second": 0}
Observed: {"hour": 5, "minute": 12, "second": 13}
